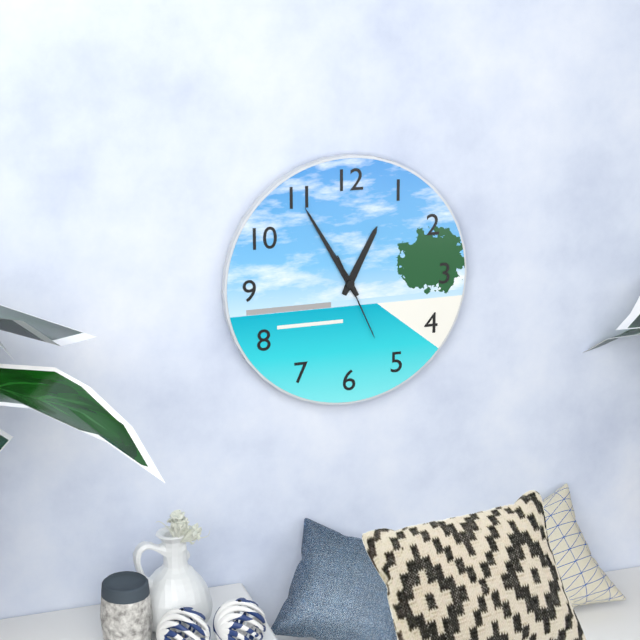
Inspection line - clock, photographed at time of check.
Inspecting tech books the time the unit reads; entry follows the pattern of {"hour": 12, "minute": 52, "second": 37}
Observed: {"hour": 12, "minute": 55, "second": 26}
